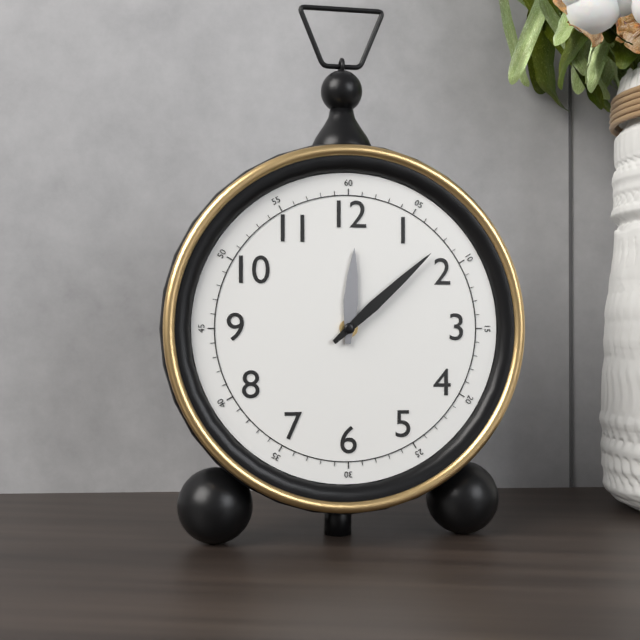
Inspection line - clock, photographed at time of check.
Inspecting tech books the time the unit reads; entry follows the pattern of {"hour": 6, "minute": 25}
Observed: {"hour": 12, "minute": 8}
